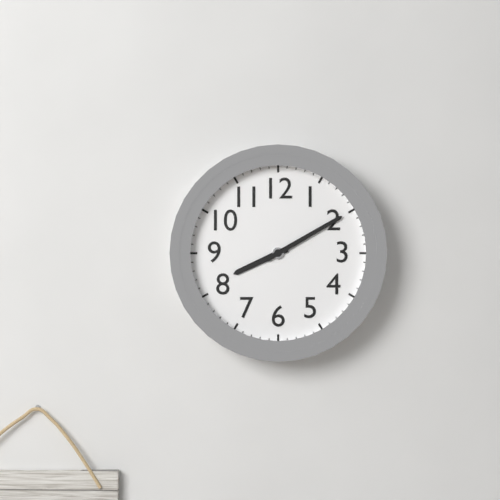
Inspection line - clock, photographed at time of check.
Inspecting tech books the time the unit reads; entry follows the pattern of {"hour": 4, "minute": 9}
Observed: {"hour": 8, "minute": 10}
